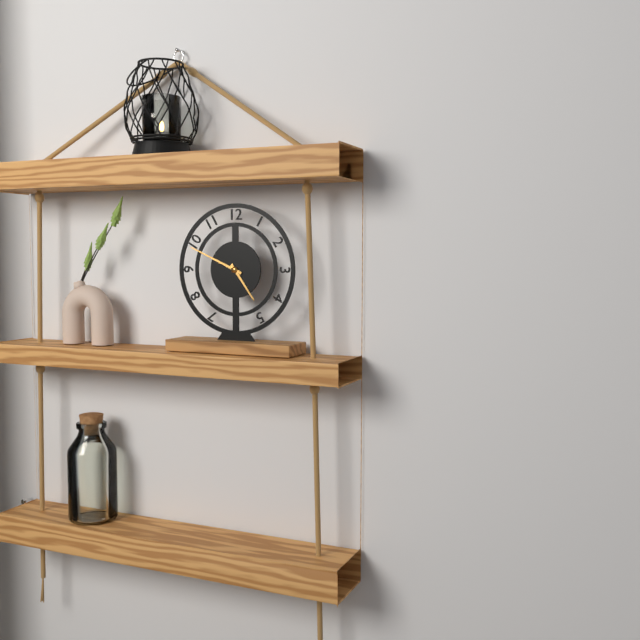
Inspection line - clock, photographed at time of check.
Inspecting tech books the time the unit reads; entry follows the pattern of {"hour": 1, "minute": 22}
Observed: {"hour": 4, "minute": 49}
